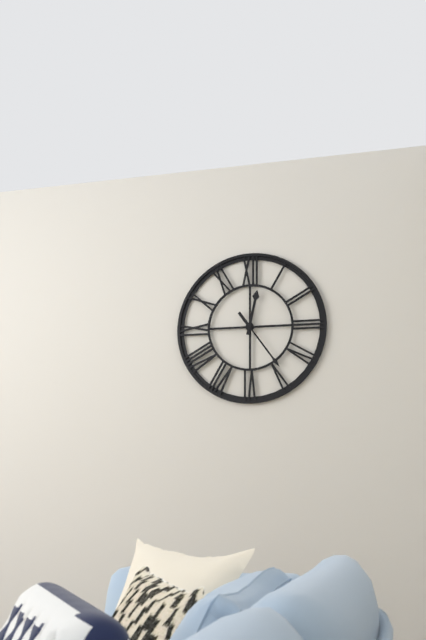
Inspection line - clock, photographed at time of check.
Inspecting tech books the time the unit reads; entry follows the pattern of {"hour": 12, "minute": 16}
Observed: {"hour": 12, "minute": 24}
